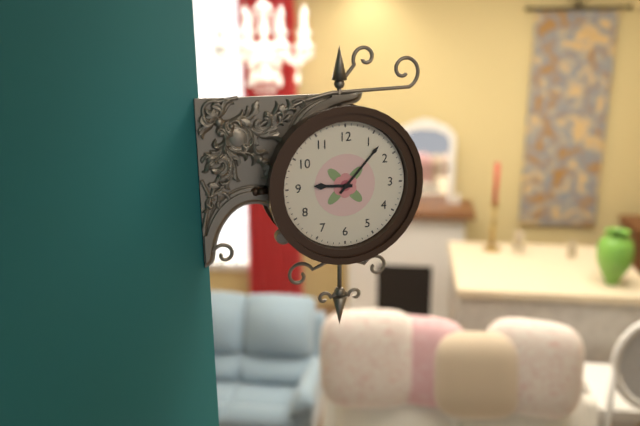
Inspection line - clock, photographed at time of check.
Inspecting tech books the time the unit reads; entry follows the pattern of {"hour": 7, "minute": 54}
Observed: {"hour": 9, "minute": 7}
